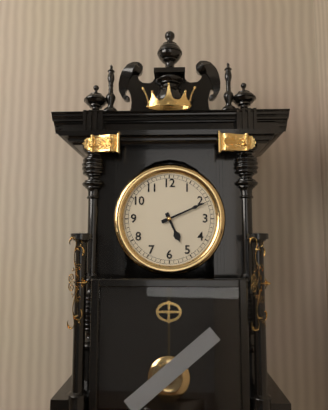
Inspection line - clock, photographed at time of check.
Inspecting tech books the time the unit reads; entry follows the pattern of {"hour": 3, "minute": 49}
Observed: {"hour": 5, "minute": 11}
